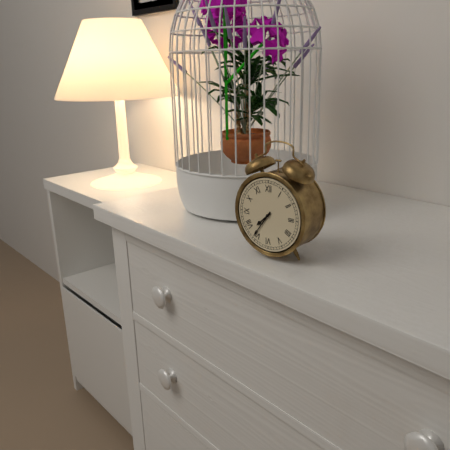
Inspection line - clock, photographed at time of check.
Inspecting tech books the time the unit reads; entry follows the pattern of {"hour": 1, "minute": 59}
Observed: {"hour": 7, "minute": 36}
